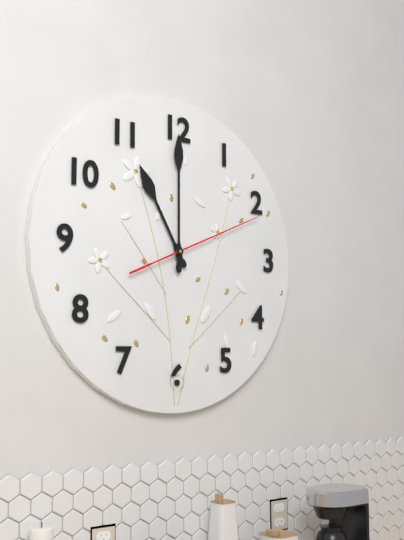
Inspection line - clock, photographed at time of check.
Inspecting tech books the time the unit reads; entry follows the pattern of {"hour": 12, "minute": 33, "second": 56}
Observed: {"hour": 11, "minute": 0, "second": 11}
